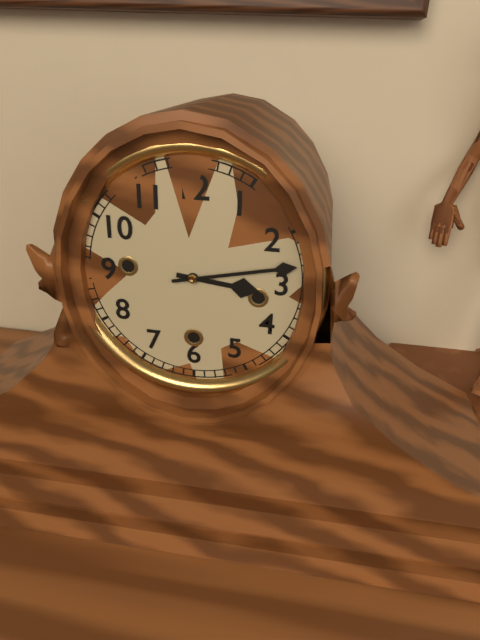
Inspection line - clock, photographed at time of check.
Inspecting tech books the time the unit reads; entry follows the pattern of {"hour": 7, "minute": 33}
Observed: {"hour": 3, "minute": 13}
